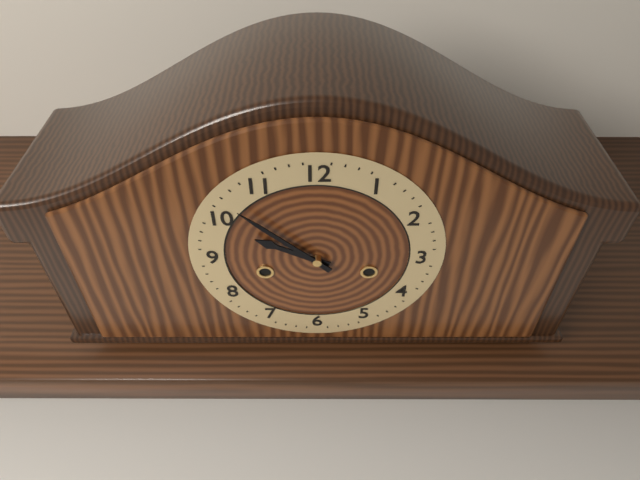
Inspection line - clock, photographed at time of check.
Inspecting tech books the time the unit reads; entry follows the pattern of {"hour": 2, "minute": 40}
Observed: {"hour": 9, "minute": 52}
